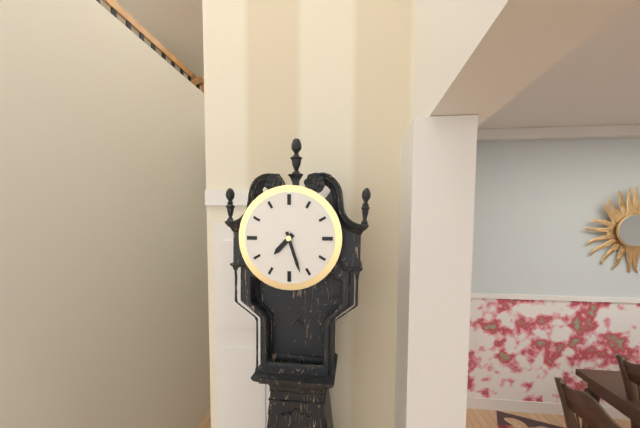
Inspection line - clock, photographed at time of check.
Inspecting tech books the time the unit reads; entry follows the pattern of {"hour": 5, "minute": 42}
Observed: {"hour": 7, "minute": 27}
